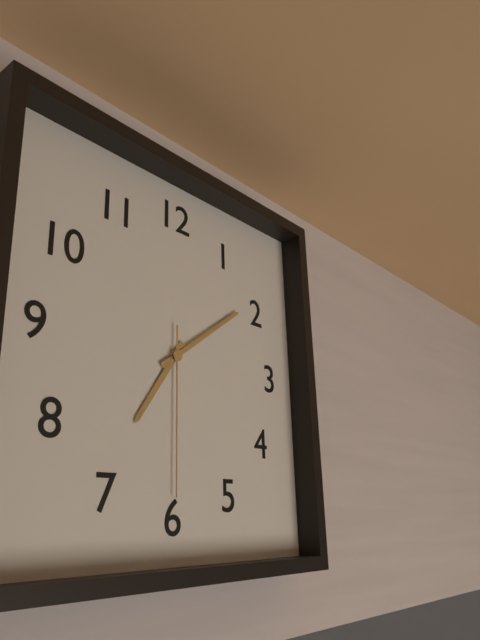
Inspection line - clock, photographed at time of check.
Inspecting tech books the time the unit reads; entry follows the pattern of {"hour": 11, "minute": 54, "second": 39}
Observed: {"hour": 7, "minute": 9, "second": 30}
